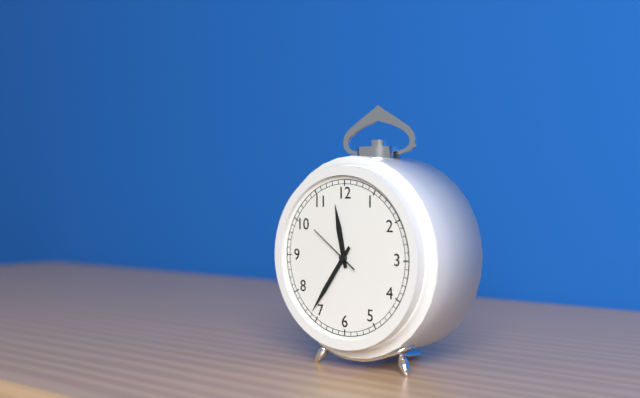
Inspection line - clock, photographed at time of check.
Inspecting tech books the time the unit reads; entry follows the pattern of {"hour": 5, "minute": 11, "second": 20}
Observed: {"hour": 11, "minute": 36, "second": 51}
